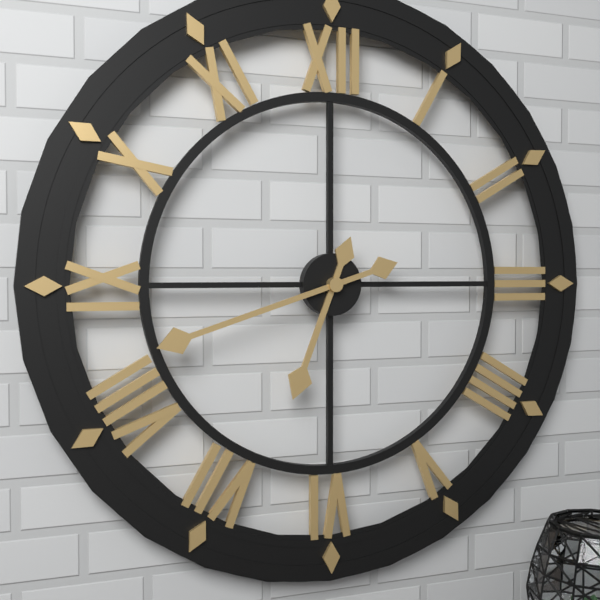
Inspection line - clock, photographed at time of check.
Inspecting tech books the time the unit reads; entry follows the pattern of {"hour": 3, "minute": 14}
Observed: {"hour": 6, "minute": 42}
